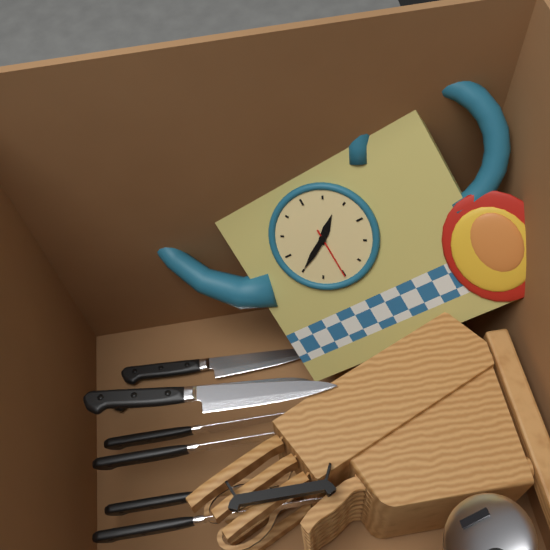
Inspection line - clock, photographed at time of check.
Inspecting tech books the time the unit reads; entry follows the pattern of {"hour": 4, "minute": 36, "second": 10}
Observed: {"hour": 1, "minute": 40, "second": 30}
